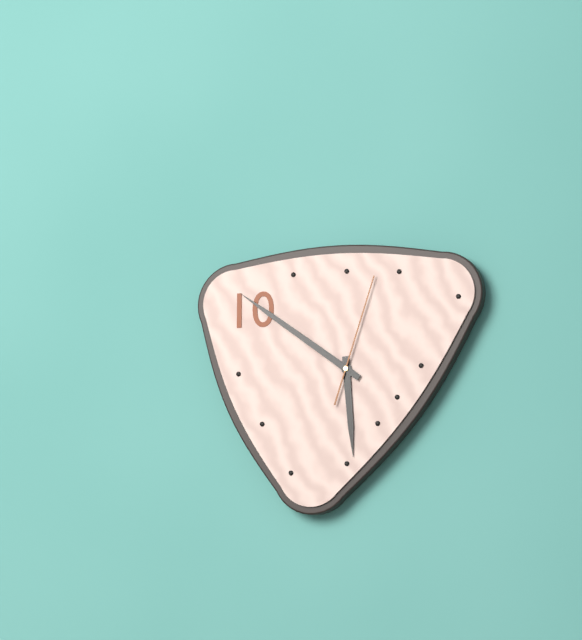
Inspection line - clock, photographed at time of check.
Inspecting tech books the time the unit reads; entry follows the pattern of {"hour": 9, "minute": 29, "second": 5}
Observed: {"hour": 5, "minute": 51, "second": 3}
